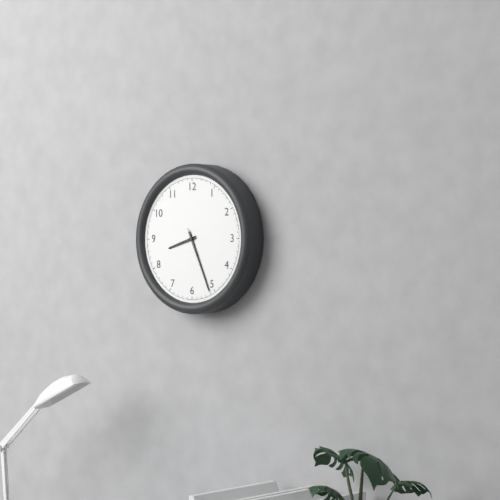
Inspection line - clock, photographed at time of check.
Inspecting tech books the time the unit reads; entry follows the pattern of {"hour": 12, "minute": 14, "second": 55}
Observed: {"hour": 8, "minute": 26, "second": 26}
